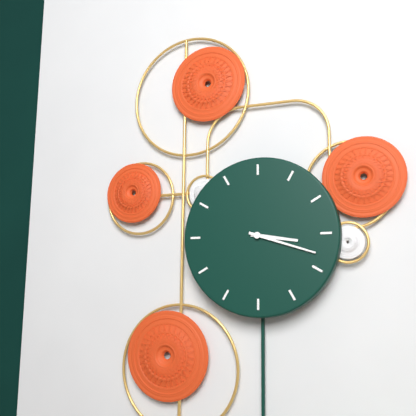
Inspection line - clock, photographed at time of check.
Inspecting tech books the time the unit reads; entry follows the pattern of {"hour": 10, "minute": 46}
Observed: {"hour": 3, "minute": 18}
